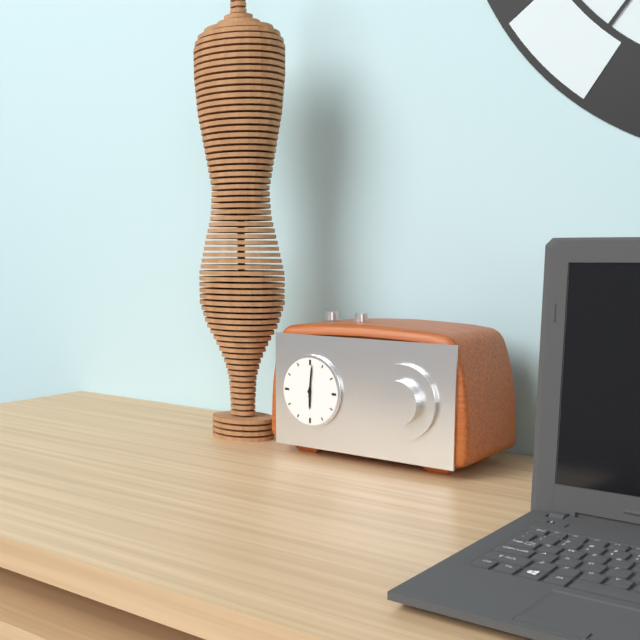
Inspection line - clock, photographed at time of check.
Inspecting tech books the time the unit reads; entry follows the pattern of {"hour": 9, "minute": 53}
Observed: {"hour": 6, "minute": 1}
